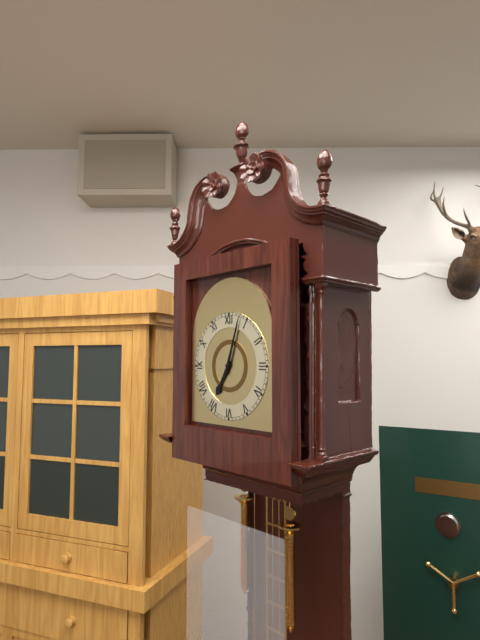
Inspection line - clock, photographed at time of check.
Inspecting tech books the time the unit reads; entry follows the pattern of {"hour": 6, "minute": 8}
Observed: {"hour": 7, "minute": 3}
